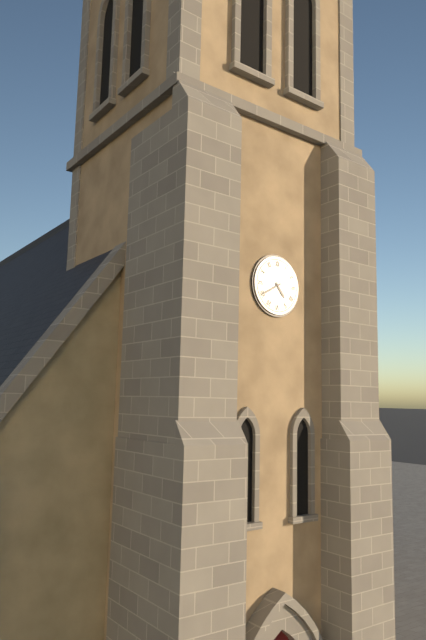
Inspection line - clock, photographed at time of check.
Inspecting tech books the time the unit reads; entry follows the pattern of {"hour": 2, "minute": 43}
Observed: {"hour": 4, "minute": 40}
